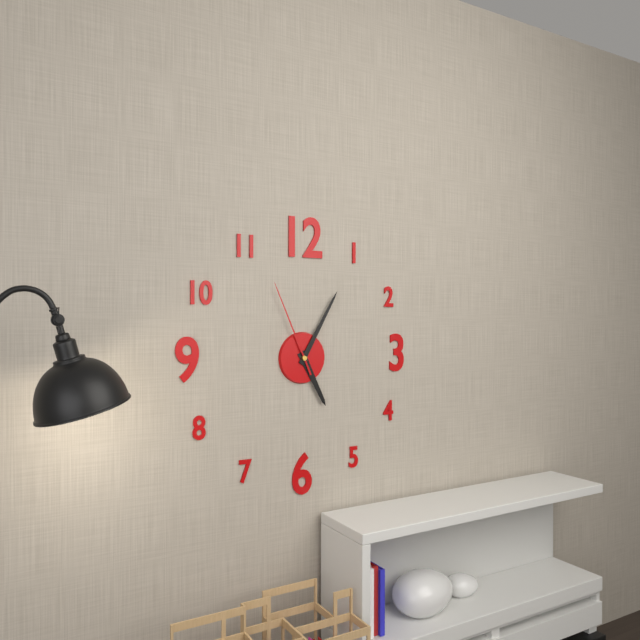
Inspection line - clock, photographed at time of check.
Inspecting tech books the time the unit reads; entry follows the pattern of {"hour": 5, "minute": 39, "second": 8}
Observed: {"hour": 5, "minute": 5, "second": 56}
